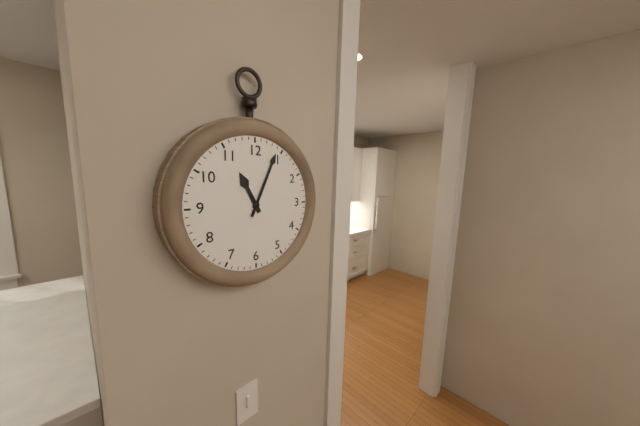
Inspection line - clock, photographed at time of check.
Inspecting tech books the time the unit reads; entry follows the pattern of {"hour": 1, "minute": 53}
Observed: {"hour": 11, "minute": 4}
